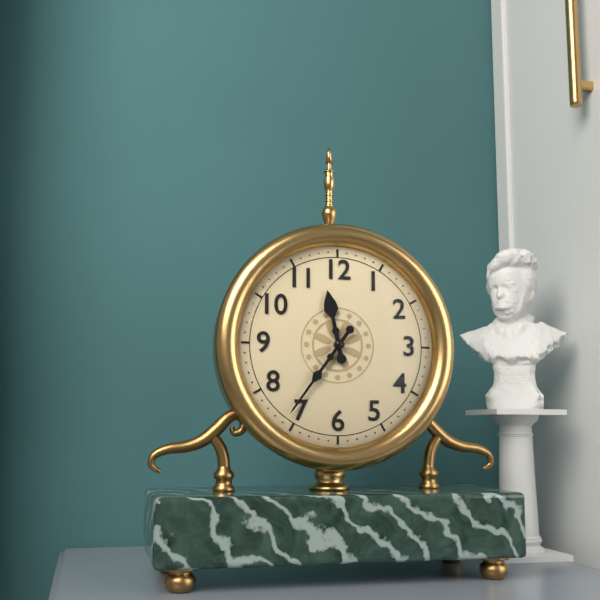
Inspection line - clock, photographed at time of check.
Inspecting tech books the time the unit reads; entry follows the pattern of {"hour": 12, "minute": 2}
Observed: {"hour": 11, "minute": 36}
